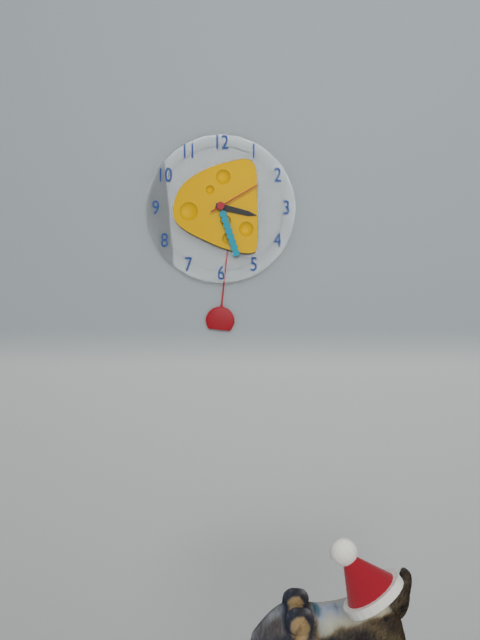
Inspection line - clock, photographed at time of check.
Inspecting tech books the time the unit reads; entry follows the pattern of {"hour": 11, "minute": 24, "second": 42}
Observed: {"hour": 3, "minute": 27, "second": 10}
